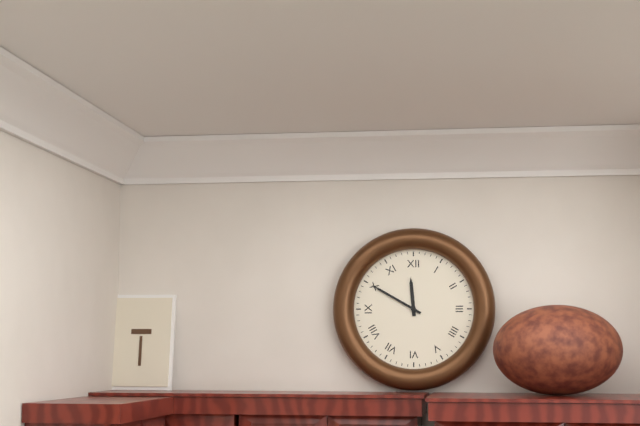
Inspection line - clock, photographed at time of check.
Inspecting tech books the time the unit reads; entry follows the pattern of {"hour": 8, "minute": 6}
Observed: {"hour": 11, "minute": 50}
